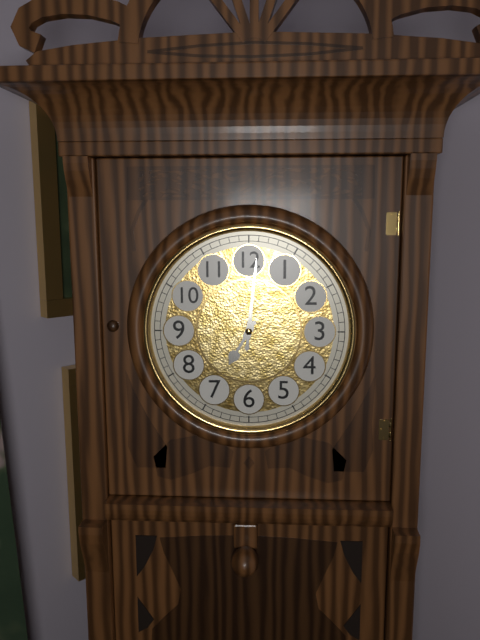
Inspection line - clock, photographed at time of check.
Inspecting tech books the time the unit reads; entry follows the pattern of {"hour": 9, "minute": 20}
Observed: {"hour": 7, "minute": 1}
